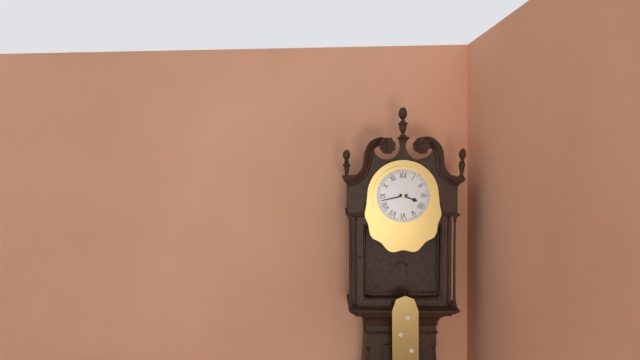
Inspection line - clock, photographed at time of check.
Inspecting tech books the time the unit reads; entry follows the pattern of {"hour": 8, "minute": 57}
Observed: {"hour": 3, "minute": 43}
